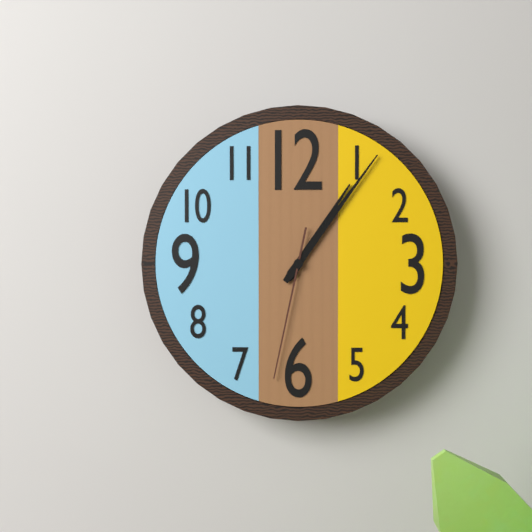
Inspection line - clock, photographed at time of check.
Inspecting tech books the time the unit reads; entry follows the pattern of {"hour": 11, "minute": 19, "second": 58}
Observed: {"hour": 1, "minute": 6, "second": 32}
